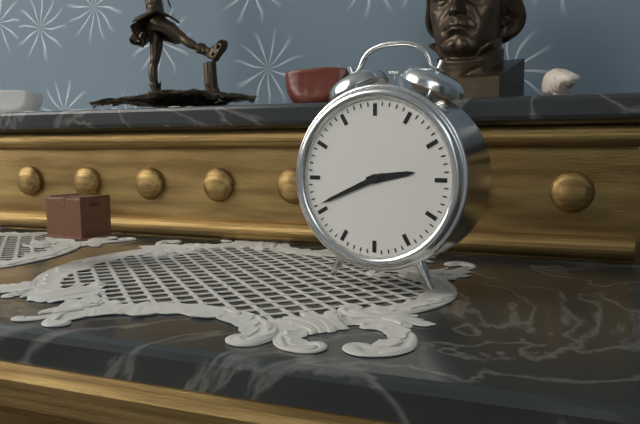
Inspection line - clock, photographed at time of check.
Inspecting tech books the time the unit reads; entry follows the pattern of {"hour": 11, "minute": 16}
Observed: {"hour": 2, "minute": 41}
